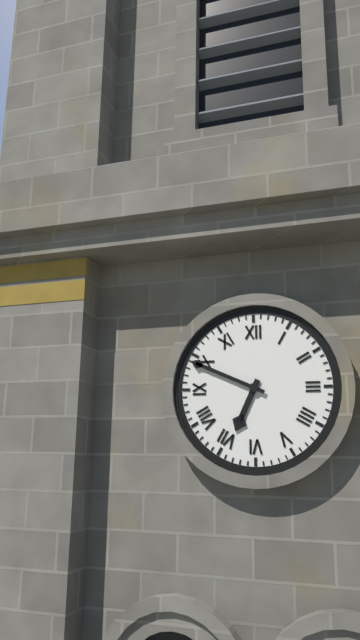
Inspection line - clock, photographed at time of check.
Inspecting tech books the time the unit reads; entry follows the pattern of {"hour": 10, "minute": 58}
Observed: {"hour": 6, "minute": 49}
